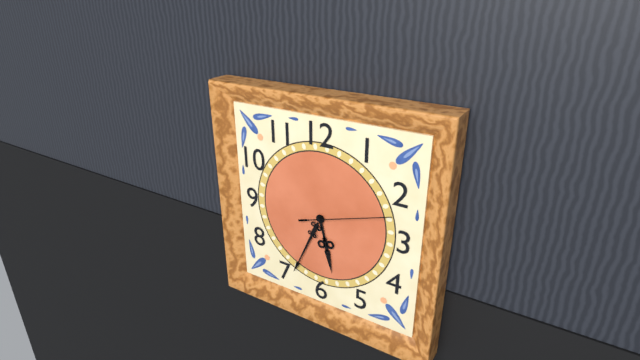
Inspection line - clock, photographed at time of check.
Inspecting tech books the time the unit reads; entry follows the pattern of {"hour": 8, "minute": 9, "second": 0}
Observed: {"hour": 5, "minute": 34, "second": 12}
